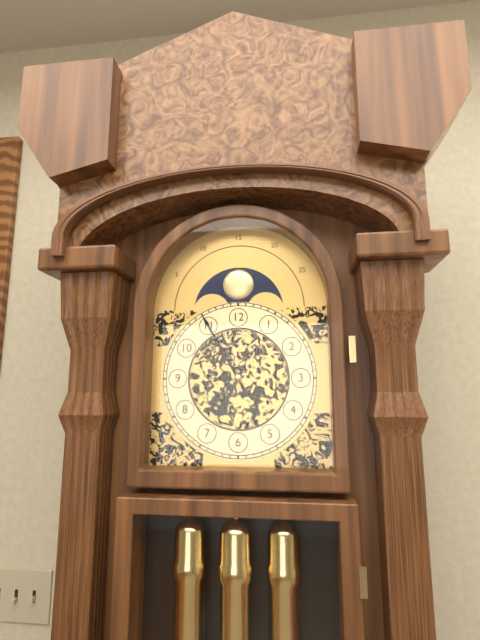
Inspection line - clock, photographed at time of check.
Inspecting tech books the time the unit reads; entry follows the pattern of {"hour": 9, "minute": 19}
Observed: {"hour": 6, "minute": 55}
